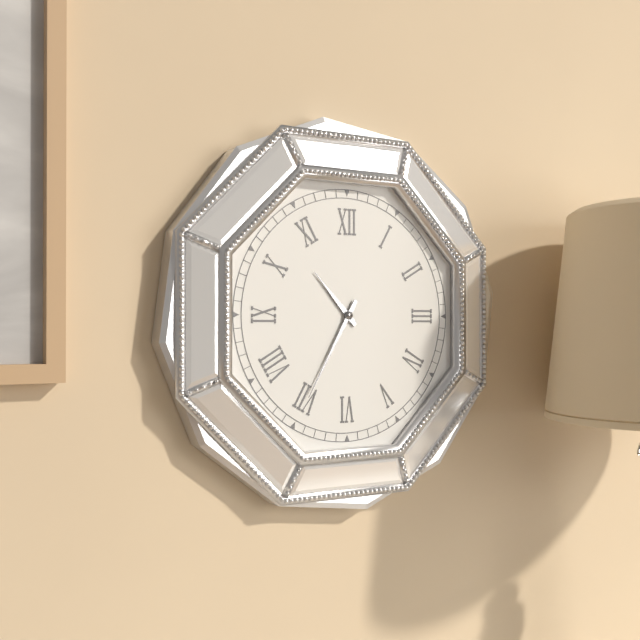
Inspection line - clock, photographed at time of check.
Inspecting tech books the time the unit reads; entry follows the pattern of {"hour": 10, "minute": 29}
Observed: {"hour": 10, "minute": 35}
